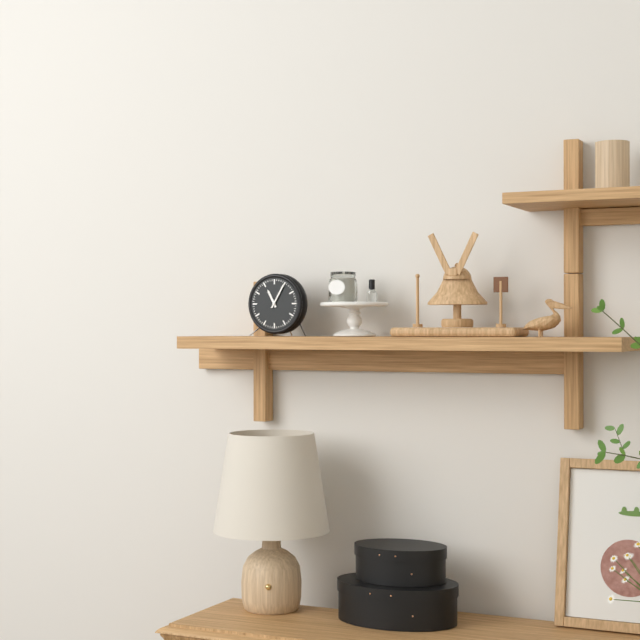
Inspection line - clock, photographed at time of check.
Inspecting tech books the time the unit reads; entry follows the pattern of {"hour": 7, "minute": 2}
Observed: {"hour": 11, "minute": 5}
